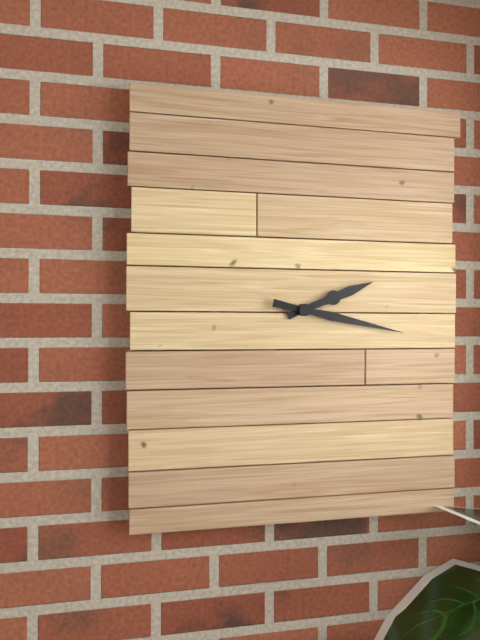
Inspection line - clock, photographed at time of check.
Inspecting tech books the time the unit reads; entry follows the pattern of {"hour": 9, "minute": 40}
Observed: {"hour": 2, "minute": 17}
